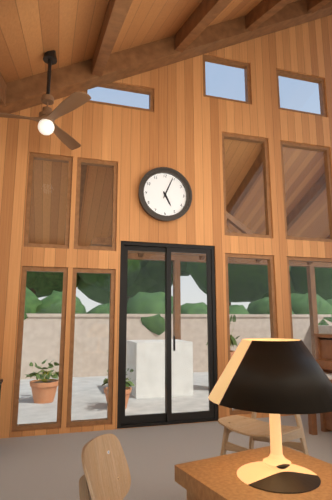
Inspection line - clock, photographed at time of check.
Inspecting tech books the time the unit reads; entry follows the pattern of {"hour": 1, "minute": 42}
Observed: {"hour": 5, "minute": 4}
